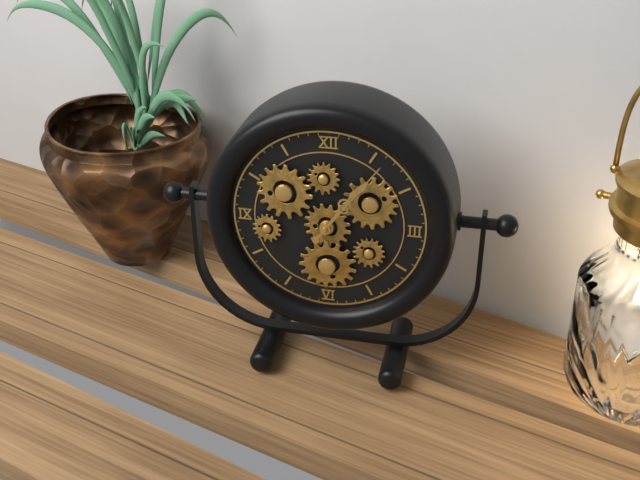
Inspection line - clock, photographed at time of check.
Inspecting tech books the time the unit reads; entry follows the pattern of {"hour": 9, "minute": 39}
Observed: {"hour": 1, "minute": 6}
